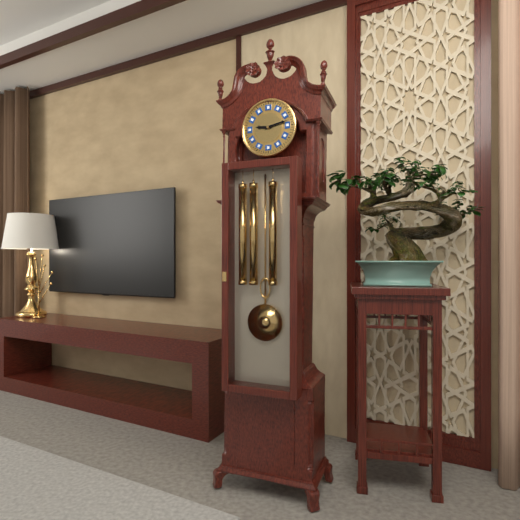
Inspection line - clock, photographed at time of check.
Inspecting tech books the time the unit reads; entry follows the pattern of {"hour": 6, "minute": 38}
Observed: {"hour": 9, "minute": 13}
